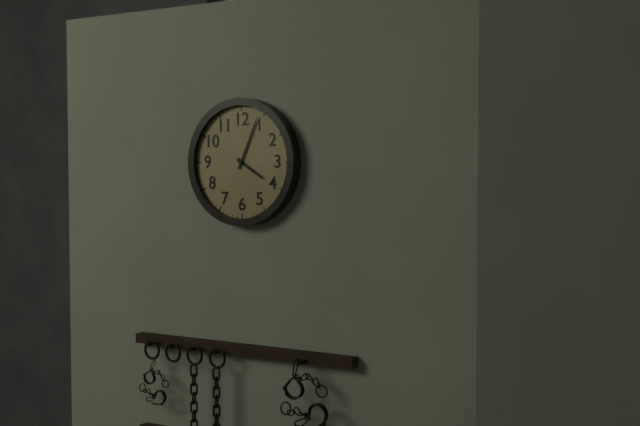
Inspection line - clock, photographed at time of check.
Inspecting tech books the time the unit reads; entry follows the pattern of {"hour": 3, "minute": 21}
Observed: {"hour": 4, "minute": 4}
